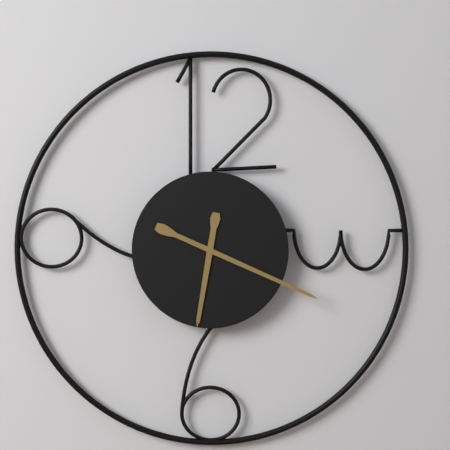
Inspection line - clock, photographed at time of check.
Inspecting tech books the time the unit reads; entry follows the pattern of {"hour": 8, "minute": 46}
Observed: {"hour": 6, "minute": 19}
